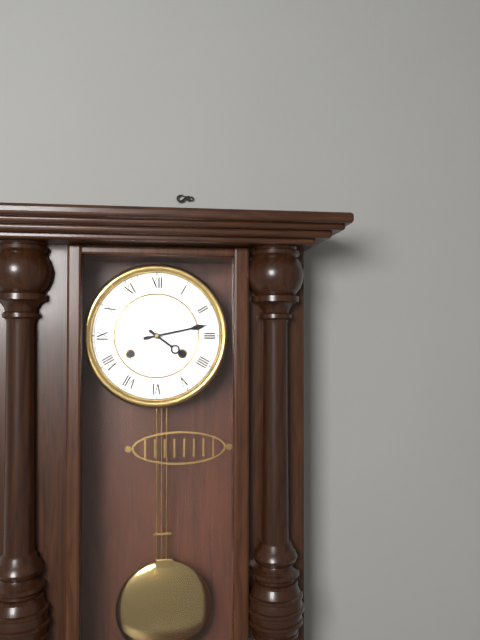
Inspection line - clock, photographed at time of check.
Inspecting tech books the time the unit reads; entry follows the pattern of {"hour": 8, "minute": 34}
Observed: {"hour": 4, "minute": 13}
